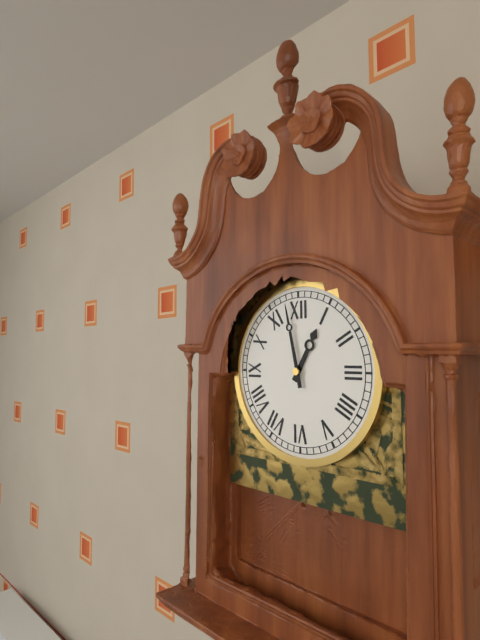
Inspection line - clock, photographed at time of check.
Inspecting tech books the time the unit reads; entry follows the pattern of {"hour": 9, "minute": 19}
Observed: {"hour": 12, "minute": 58}
